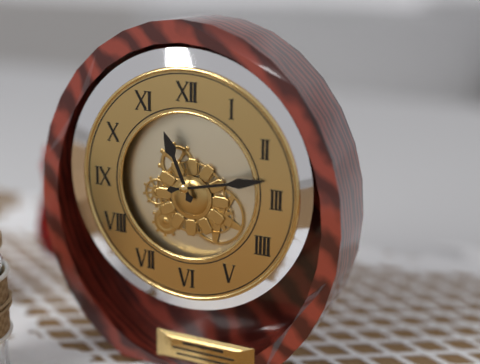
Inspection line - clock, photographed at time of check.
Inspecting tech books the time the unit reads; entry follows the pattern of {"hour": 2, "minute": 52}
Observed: {"hour": 11, "minute": 13}
